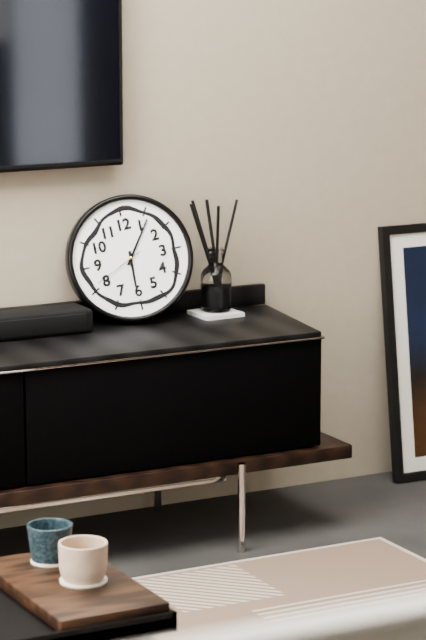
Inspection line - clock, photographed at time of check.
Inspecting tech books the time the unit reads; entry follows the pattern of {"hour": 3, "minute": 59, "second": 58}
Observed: {"hour": 6, "minute": 6, "second": 41}
